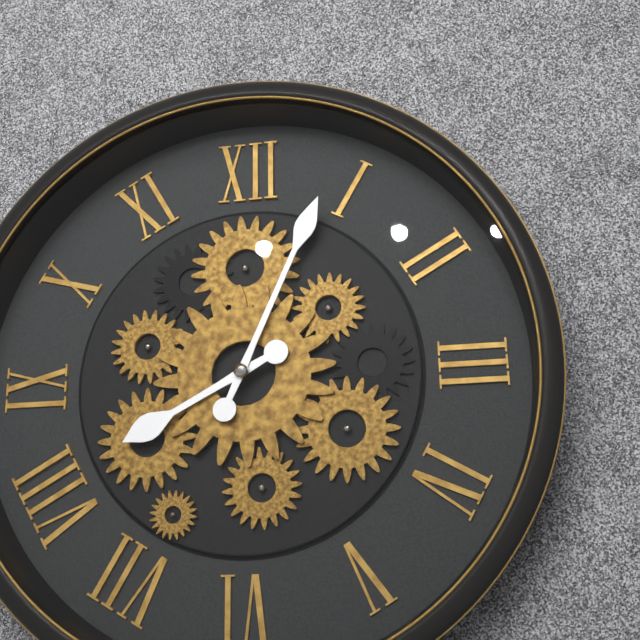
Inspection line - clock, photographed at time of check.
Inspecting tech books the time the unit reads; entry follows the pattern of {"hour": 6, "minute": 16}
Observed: {"hour": 8, "minute": 4}
